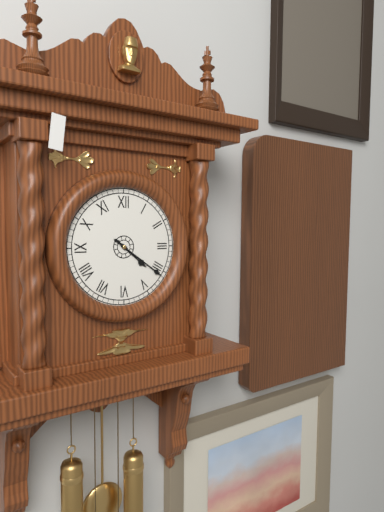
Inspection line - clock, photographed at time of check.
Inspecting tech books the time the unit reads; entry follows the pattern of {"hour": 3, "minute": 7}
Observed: {"hour": 4, "minute": 21}
